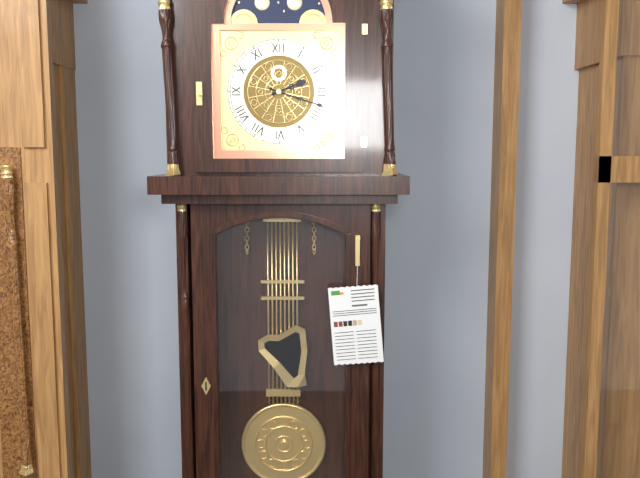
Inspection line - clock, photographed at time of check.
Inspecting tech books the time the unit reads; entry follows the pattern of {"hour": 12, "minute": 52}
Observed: {"hour": 2, "minute": 18}
